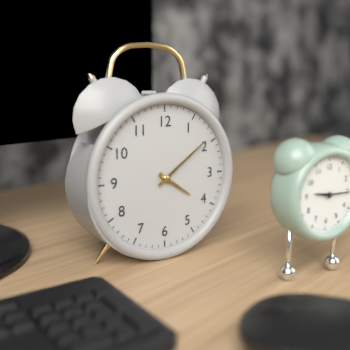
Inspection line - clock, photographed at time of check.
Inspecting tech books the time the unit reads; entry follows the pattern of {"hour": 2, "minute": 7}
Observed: {"hour": 4, "minute": 9}
